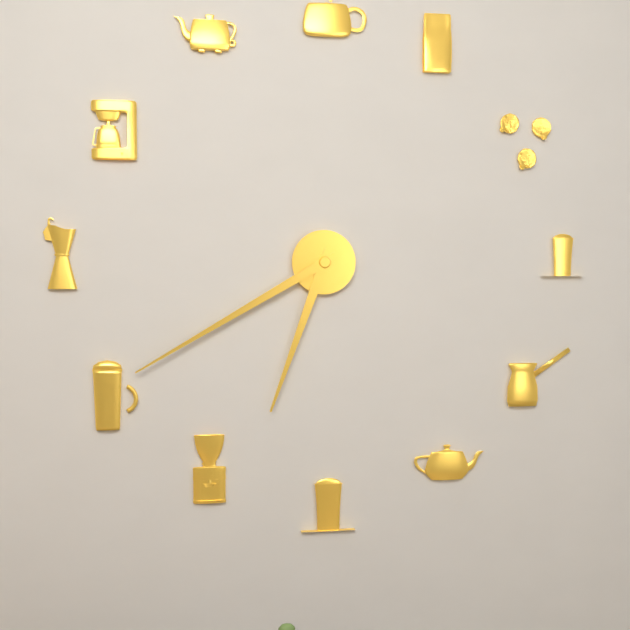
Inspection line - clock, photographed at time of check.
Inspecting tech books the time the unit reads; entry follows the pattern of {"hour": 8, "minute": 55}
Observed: {"hour": 6, "minute": 40}
